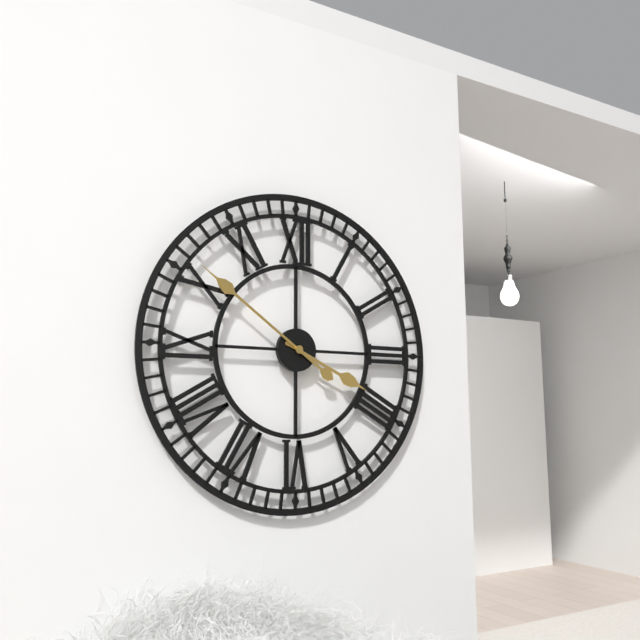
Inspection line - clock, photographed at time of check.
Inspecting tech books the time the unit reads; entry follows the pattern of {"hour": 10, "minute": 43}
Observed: {"hour": 3, "minute": 51}
